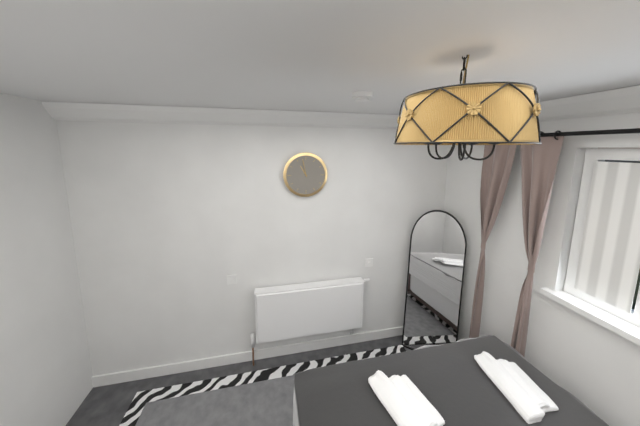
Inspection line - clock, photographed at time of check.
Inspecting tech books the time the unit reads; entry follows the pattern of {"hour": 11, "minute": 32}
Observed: {"hour": 10, "minute": 58}
